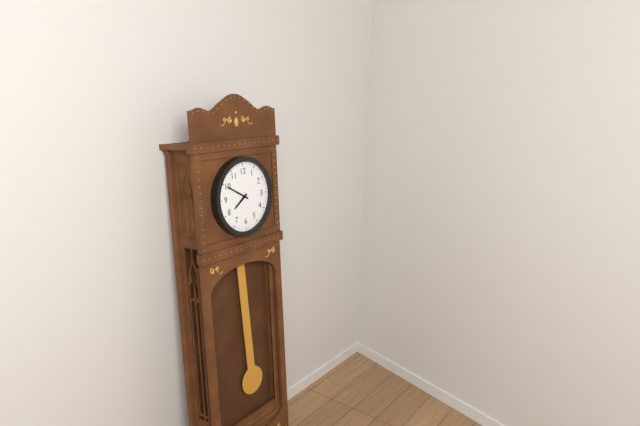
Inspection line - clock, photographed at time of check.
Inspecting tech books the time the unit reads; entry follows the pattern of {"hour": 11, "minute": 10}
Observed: {"hour": 7, "minute": 50}
